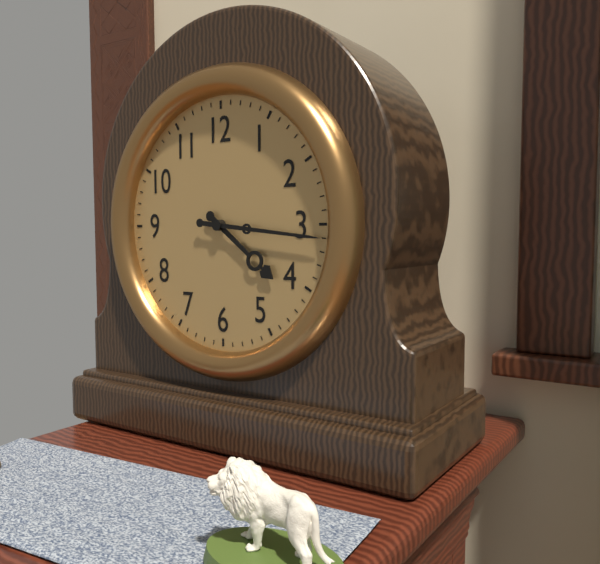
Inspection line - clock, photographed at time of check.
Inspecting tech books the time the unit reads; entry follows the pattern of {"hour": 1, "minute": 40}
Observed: {"hour": 4, "minute": 16}
